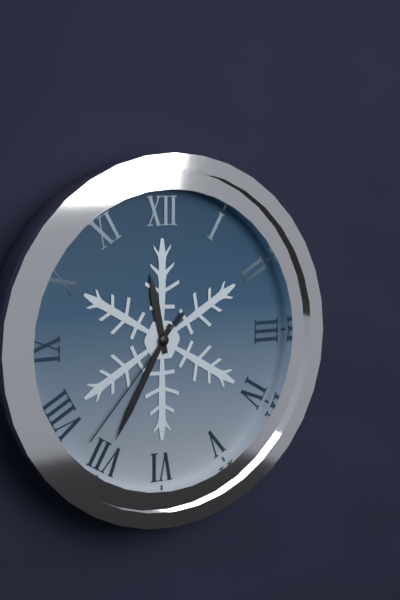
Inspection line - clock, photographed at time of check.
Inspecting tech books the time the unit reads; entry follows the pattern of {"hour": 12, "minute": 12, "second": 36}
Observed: {"hour": 11, "minute": 35, "second": 37}
